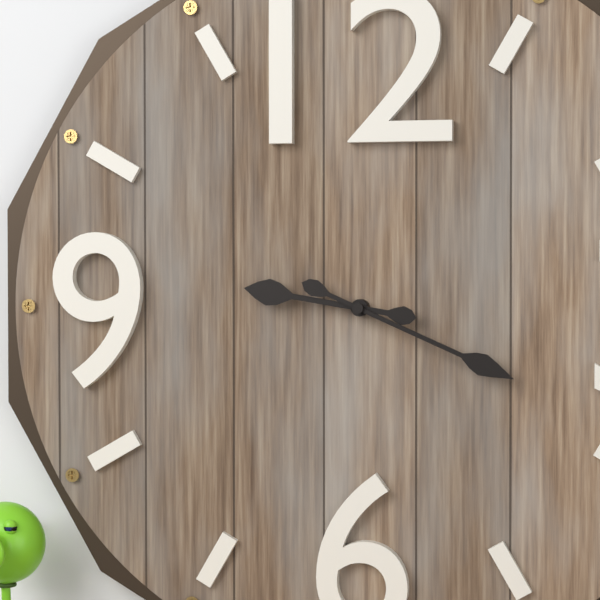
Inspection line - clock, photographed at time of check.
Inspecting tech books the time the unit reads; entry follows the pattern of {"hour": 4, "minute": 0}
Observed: {"hour": 9, "minute": 19}
